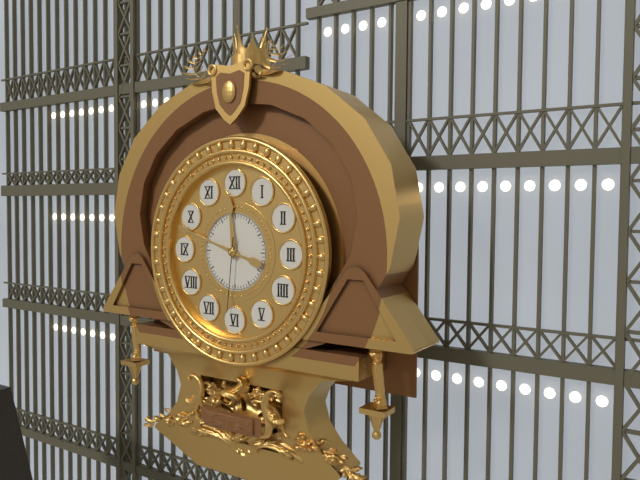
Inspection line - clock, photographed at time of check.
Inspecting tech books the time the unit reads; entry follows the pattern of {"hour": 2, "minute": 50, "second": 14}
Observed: {"hour": 11, "minute": 48, "second": 31}
